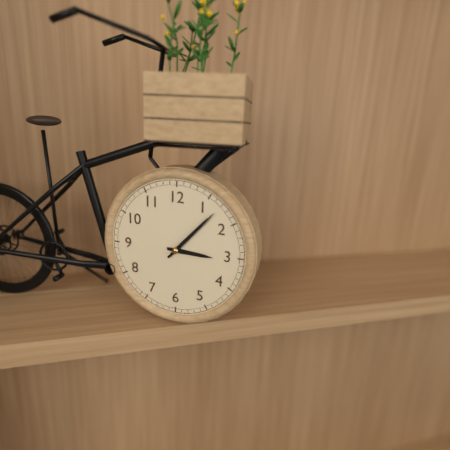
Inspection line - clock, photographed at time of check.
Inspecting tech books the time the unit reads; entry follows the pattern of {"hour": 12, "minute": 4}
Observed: {"hour": 3, "minute": 7}
